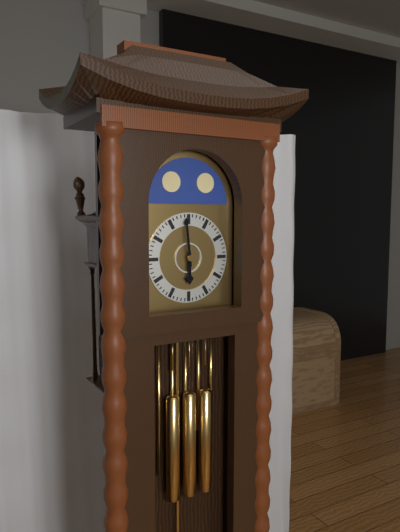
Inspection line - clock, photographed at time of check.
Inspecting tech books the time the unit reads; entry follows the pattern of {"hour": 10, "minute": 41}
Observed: {"hour": 5, "minute": 59}
